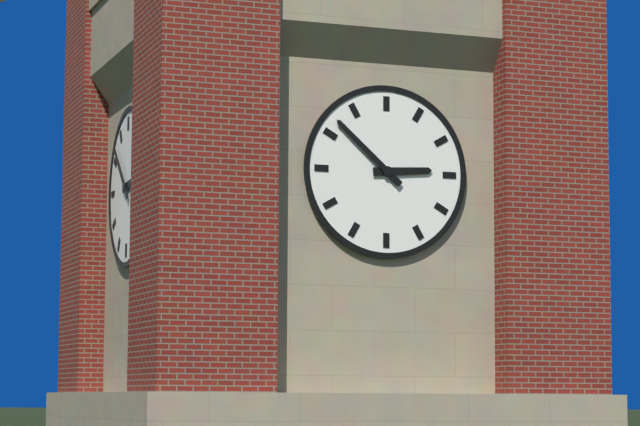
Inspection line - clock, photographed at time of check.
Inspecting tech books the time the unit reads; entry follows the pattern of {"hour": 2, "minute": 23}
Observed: {"hour": 2, "minute": 52}
